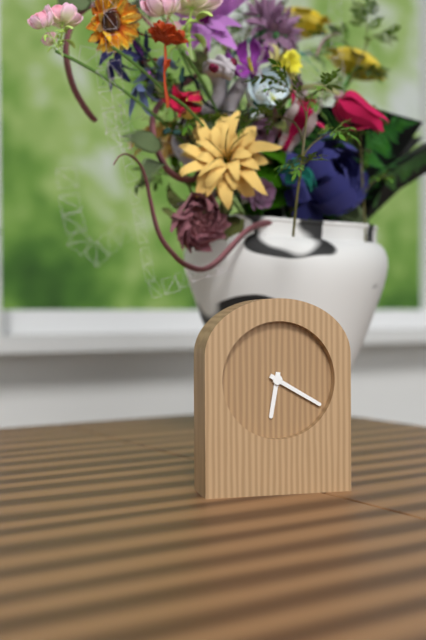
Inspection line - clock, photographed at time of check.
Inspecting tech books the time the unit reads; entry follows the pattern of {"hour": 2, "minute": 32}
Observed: {"hour": 6, "minute": 20}
